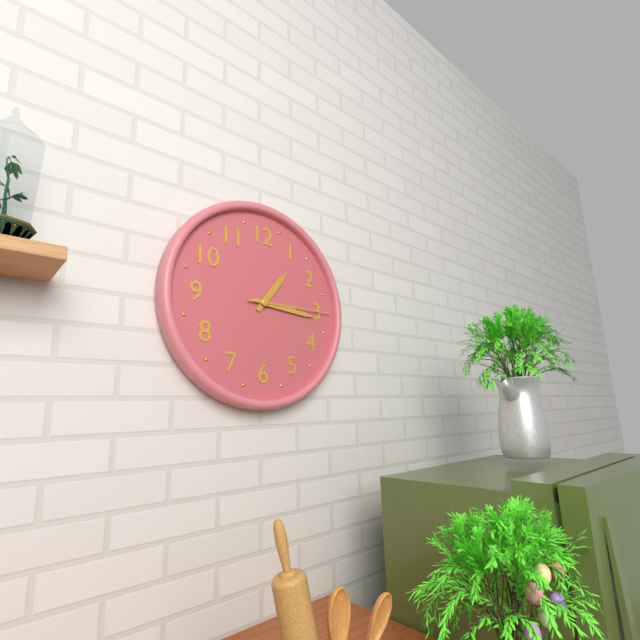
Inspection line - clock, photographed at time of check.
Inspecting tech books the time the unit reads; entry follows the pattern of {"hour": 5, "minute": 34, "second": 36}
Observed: {"hour": 1, "minute": 16, "second": 15}
